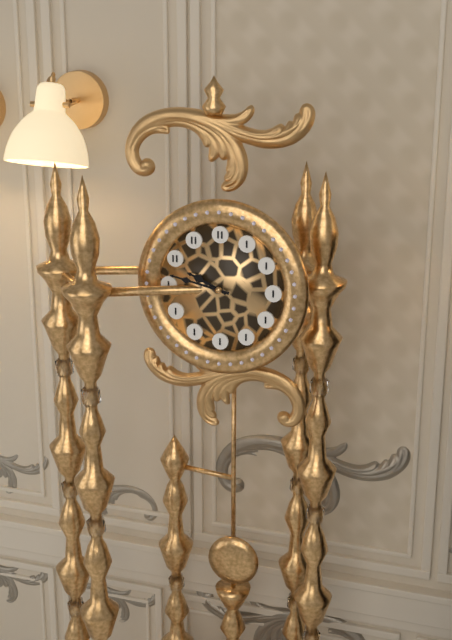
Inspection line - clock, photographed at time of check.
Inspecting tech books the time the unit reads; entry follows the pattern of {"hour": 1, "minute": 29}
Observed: {"hour": 9, "minute": 47}
